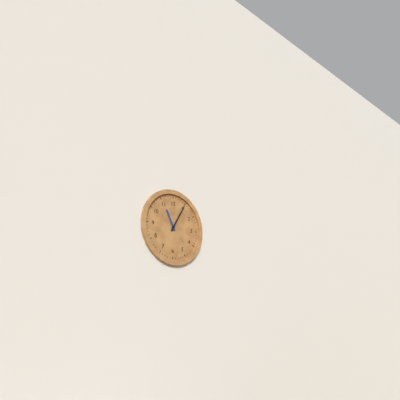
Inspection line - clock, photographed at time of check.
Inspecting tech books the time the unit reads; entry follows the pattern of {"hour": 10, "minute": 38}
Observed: {"hour": 11, "minute": 5}
